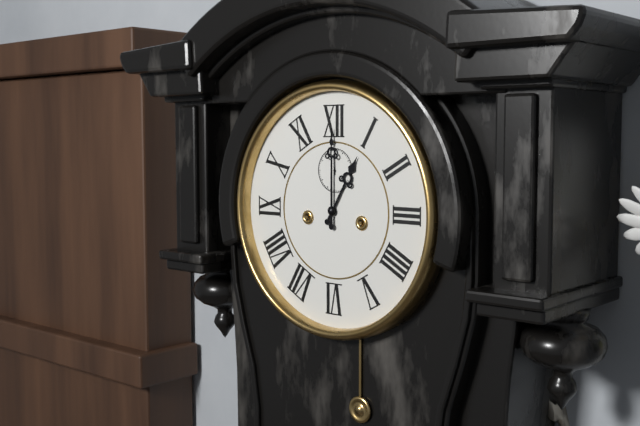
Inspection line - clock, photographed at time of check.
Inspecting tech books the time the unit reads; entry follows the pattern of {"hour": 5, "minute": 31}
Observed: {"hour": 1, "minute": 0}
